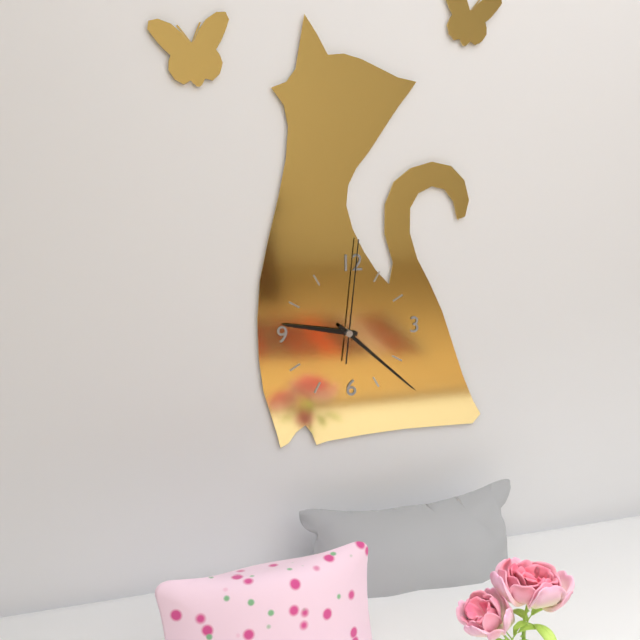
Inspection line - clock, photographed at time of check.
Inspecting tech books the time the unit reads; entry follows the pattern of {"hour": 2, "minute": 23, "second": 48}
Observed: {"hour": 9, "minute": 22, "second": 1}
